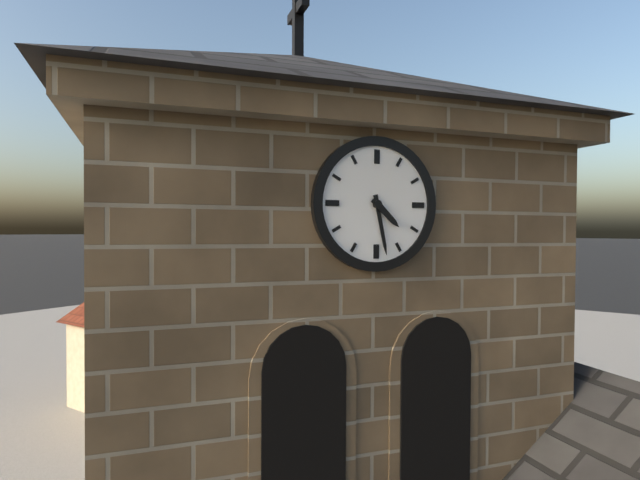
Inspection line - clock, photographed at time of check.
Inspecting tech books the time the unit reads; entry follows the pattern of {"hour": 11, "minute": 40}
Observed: {"hour": 4, "minute": 28}
